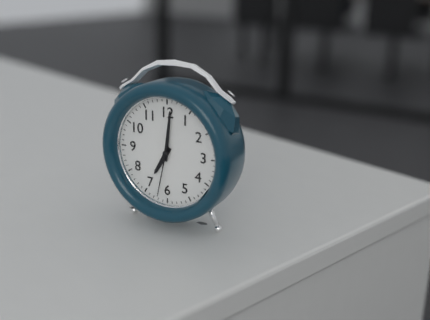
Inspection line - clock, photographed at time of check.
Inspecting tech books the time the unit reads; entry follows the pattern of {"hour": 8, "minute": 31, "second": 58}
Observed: {"hour": 7, "minute": 1, "second": 32}
